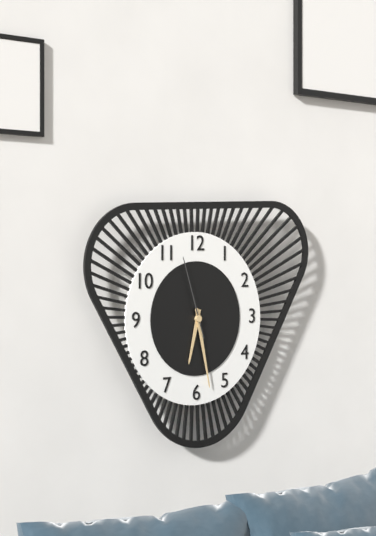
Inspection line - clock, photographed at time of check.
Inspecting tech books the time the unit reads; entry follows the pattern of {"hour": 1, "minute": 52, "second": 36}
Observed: {"hour": 6, "minute": 28, "second": 57}
